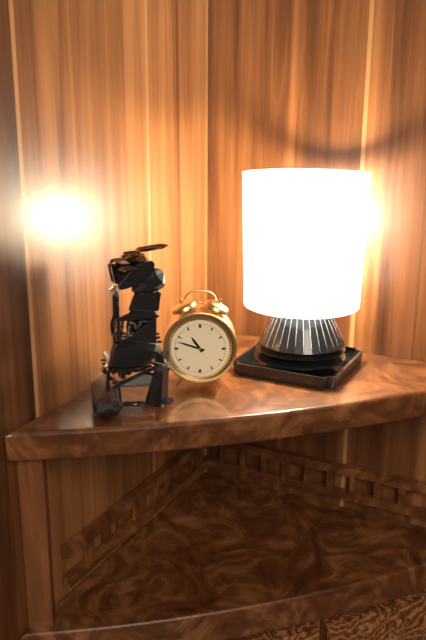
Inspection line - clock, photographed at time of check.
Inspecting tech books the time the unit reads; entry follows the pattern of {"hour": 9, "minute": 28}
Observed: {"hour": 10, "minute": 48}
